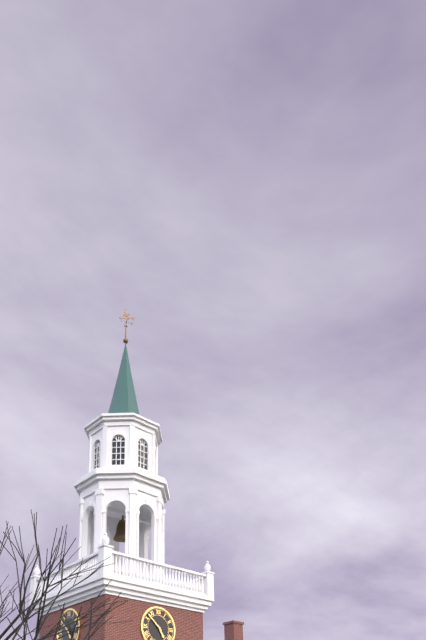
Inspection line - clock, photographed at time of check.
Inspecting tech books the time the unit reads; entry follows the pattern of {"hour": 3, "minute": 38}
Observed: {"hour": 4, "minute": 52}
